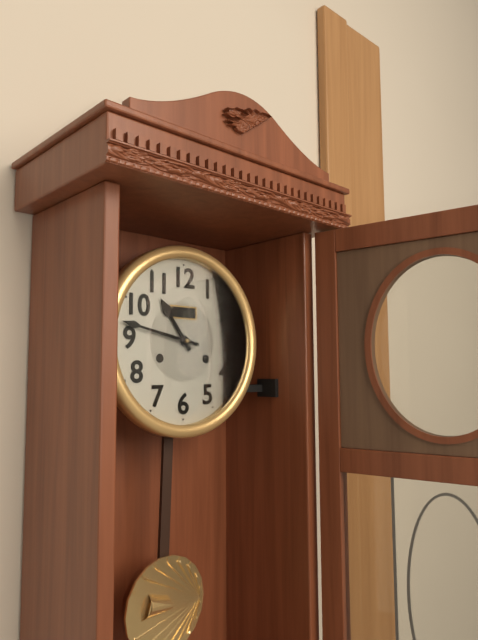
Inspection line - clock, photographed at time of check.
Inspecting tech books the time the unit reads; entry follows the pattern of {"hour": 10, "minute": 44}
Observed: {"hour": 10, "minute": 47}
